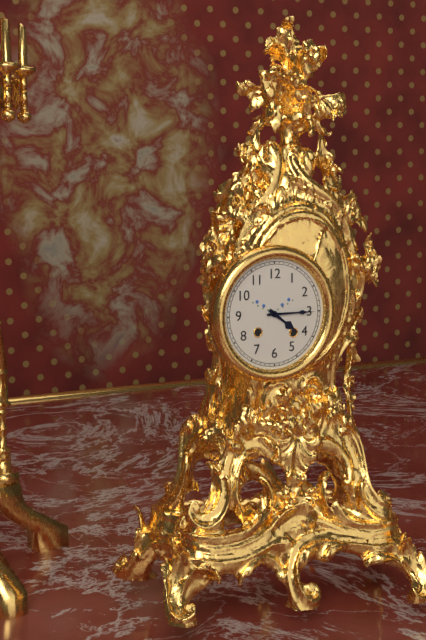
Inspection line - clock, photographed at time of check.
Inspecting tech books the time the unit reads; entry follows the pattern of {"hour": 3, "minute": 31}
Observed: {"hour": 4, "minute": 15}
